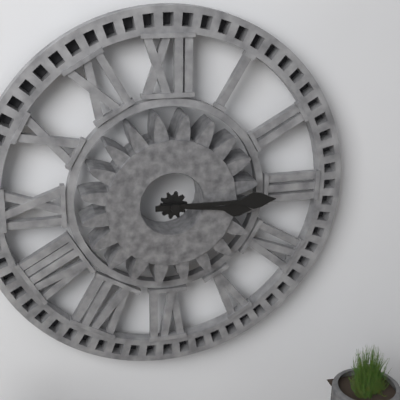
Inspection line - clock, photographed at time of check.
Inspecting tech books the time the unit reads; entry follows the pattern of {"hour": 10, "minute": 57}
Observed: {"hour": 3, "minute": 15}
